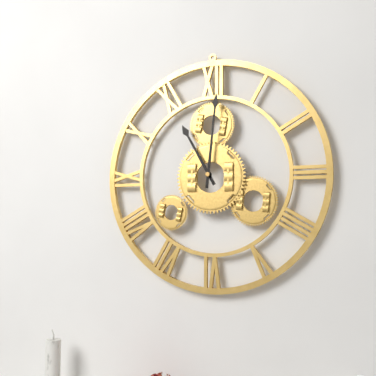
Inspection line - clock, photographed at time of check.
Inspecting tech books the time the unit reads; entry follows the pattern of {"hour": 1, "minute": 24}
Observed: {"hour": 11, "minute": 1}
